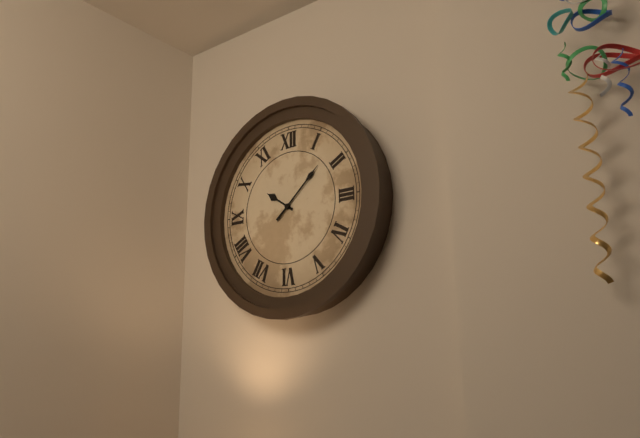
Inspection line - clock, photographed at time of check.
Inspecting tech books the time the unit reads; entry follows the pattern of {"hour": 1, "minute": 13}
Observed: {"hour": 10, "minute": 8}
